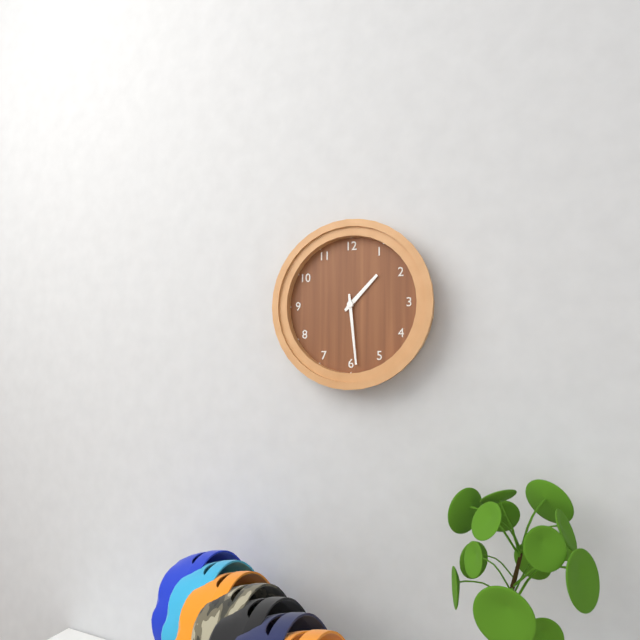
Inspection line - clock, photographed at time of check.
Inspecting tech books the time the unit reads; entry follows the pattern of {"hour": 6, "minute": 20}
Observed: {"hour": 1, "minute": 29}
